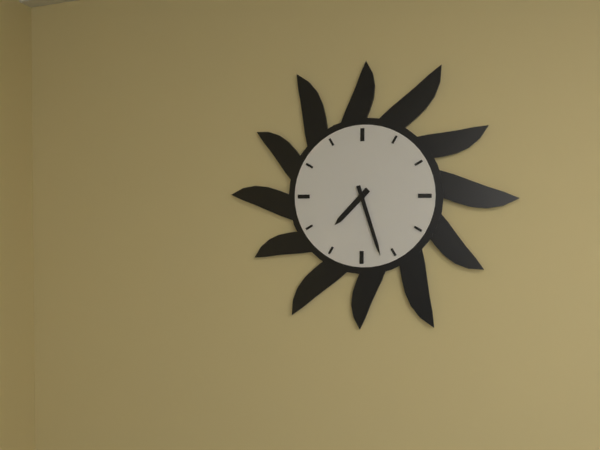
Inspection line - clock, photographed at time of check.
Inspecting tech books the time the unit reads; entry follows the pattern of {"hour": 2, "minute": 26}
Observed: {"hour": 7, "minute": 27}
